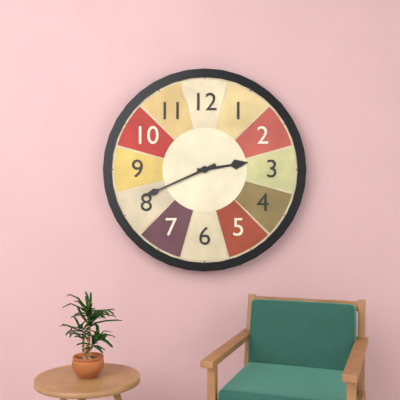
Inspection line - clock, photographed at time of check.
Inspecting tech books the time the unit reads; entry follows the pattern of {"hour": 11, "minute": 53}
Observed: {"hour": 2, "minute": 41}
